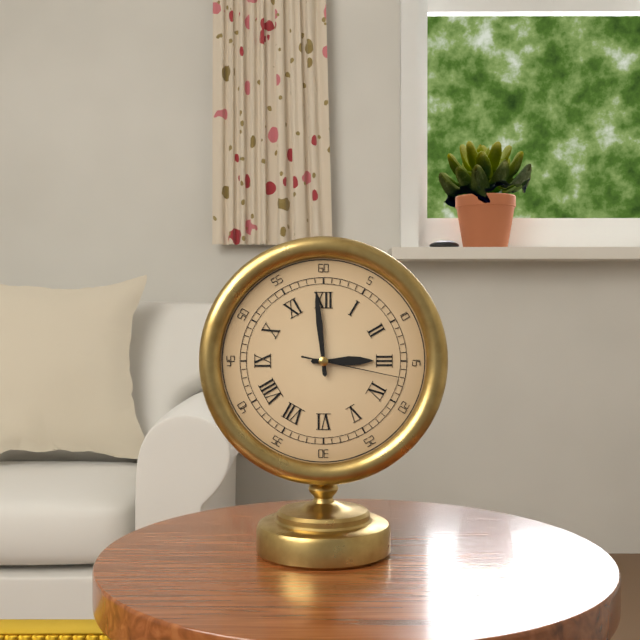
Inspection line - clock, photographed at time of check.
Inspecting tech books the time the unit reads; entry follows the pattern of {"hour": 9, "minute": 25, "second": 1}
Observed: {"hour": 2, "minute": 59, "second": 17}
